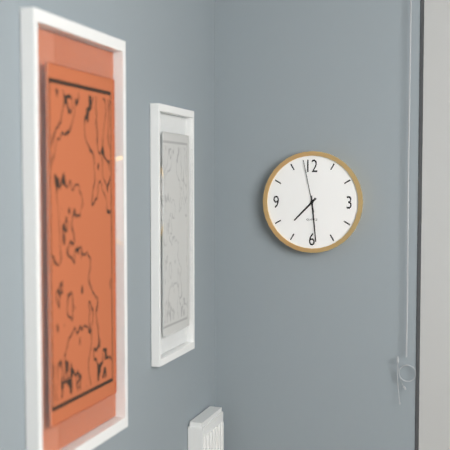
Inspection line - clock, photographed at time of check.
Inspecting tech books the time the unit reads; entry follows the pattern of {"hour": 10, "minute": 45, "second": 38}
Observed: {"hour": 7, "minute": 29, "second": 58}
